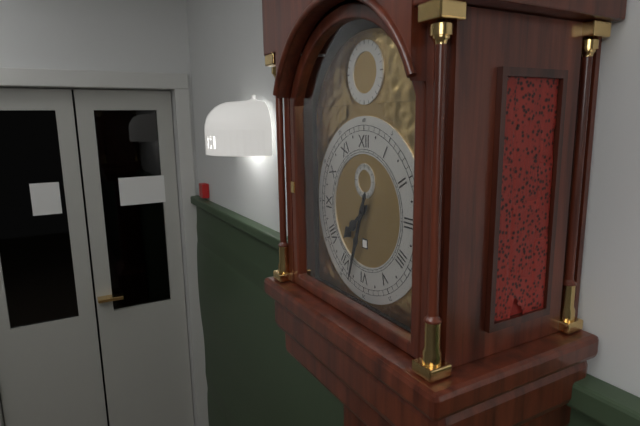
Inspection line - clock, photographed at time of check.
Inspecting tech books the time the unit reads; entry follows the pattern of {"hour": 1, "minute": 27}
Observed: {"hour": 7, "minute": 33}
